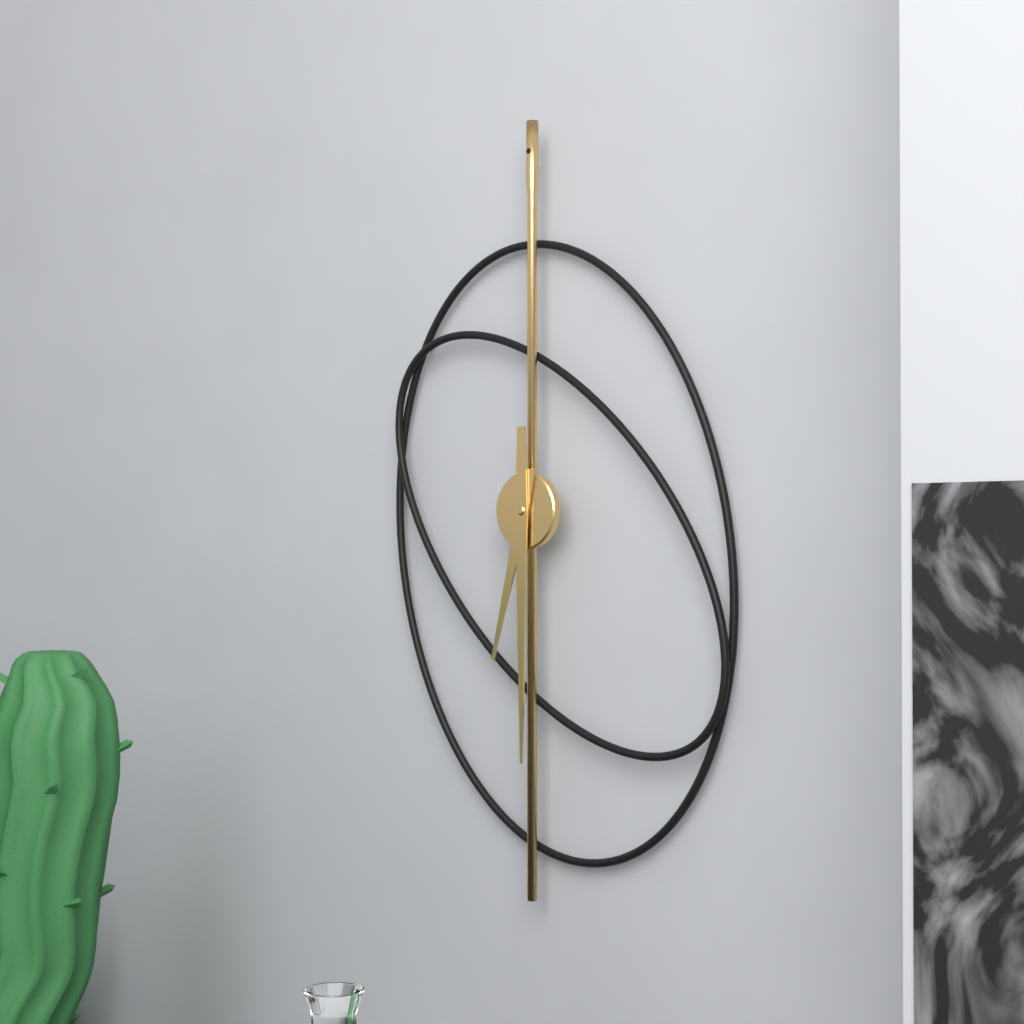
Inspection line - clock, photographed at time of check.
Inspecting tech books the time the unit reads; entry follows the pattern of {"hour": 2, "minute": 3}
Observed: {"hour": 6, "minute": 30}
